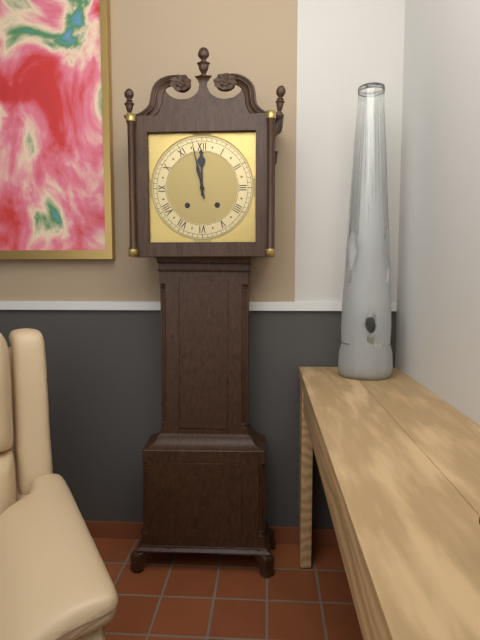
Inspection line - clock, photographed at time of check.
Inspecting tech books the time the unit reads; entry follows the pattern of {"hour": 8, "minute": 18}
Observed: {"hour": 11, "minute": 58}
